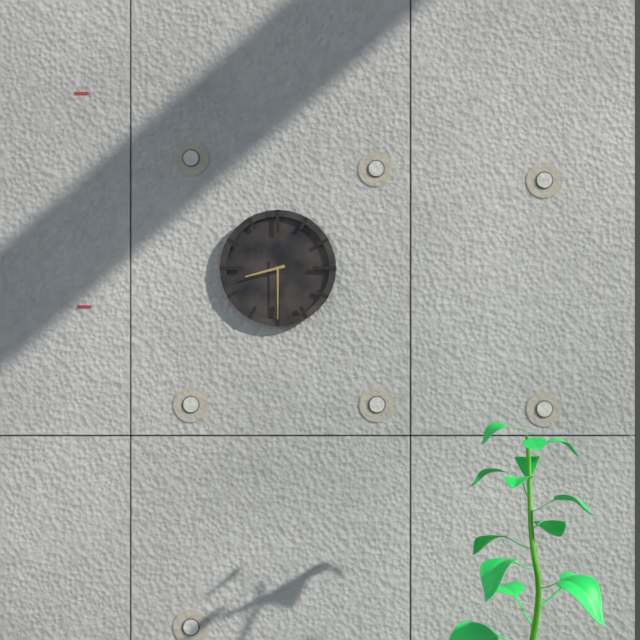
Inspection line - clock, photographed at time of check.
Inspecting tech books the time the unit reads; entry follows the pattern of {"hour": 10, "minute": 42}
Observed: {"hour": 8, "minute": 30}
